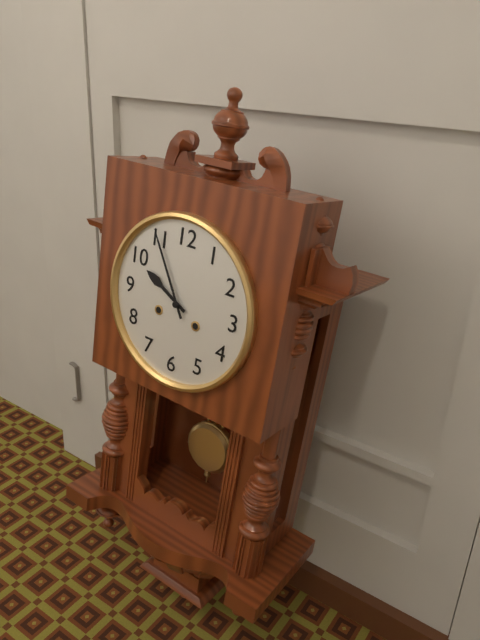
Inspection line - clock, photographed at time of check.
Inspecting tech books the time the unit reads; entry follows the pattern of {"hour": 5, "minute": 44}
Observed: {"hour": 9, "minute": 55}
